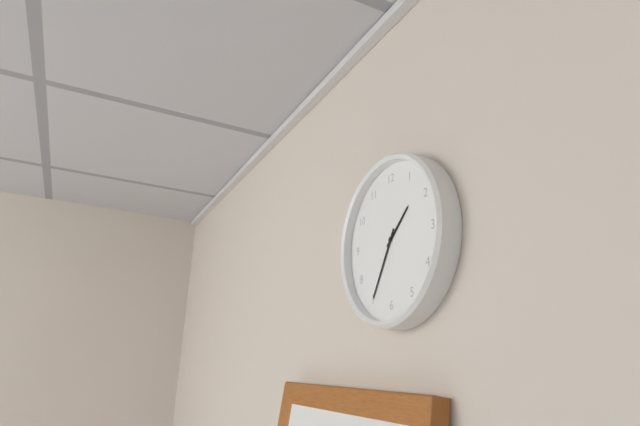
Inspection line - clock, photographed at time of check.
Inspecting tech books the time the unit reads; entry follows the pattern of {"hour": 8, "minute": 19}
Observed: {"hour": 1, "minute": 35}
